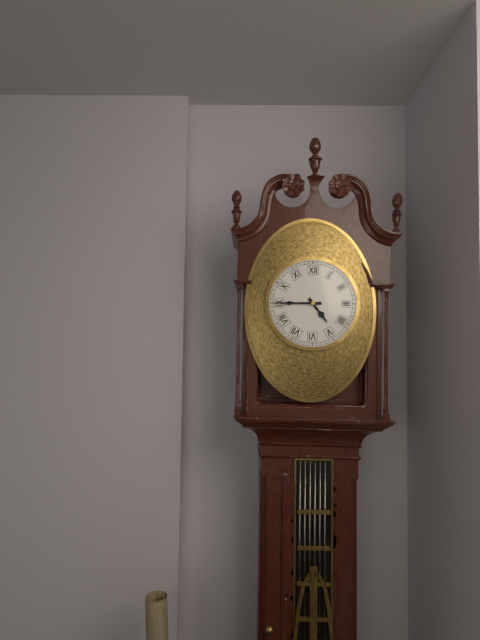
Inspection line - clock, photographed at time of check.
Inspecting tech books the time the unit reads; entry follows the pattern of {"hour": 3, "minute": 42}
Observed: {"hour": 4, "minute": 45}
